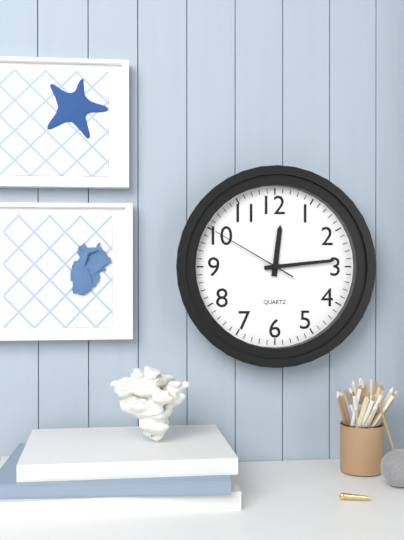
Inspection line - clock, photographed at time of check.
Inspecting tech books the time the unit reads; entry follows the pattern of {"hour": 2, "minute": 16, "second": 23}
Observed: {"hour": 12, "minute": 14, "second": 50}
